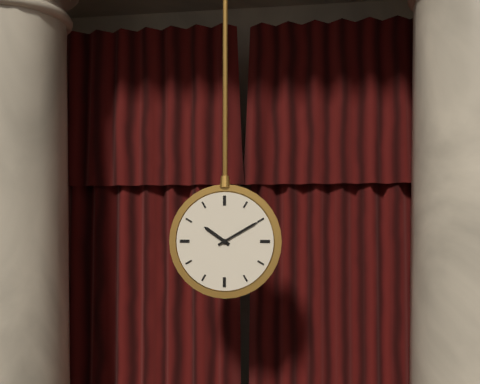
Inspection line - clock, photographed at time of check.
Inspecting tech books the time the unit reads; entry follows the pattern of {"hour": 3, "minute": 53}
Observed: {"hour": 10, "minute": 10}
